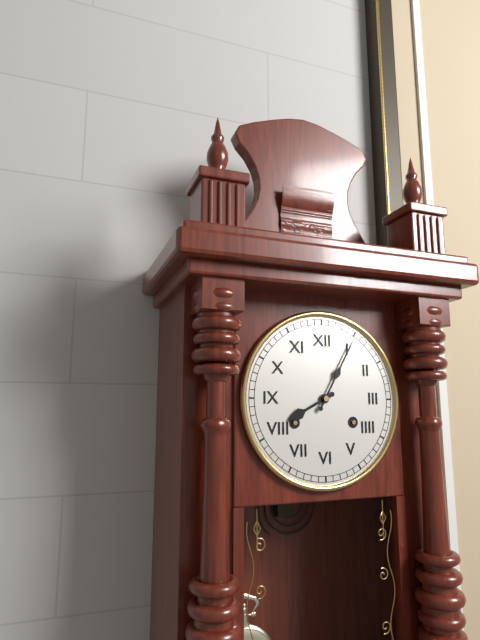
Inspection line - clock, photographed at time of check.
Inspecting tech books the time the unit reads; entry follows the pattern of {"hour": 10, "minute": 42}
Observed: {"hour": 8, "minute": 5}
